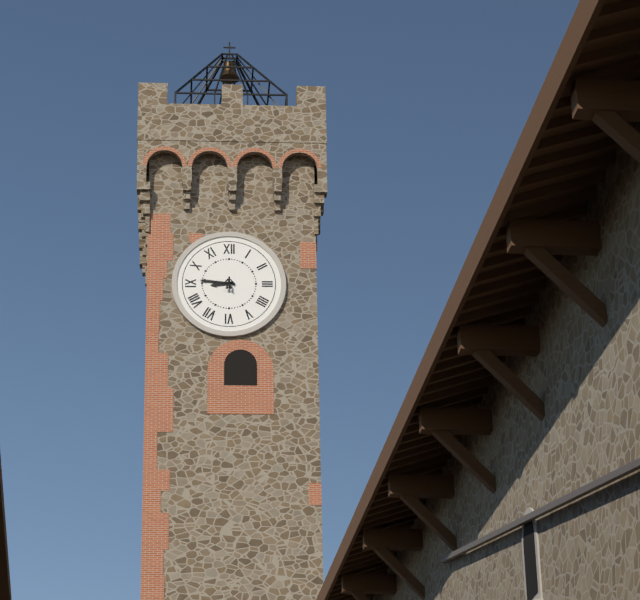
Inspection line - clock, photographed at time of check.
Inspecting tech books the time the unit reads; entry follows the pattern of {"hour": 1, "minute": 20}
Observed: {"hour": 8, "minute": 46}
